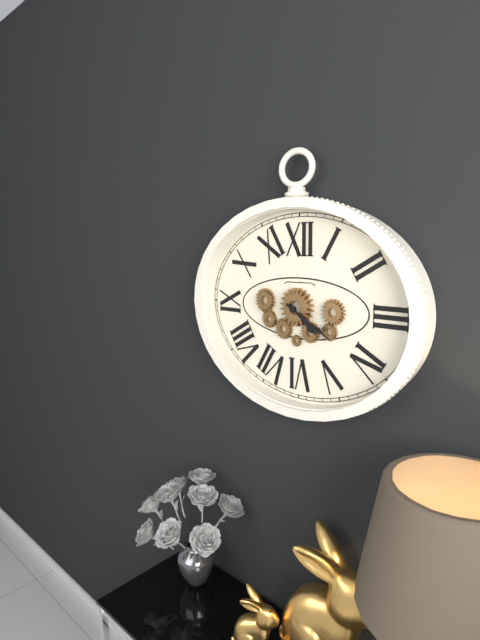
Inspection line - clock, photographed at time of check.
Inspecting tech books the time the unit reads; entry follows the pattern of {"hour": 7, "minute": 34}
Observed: {"hour": 4, "minute": 20}
